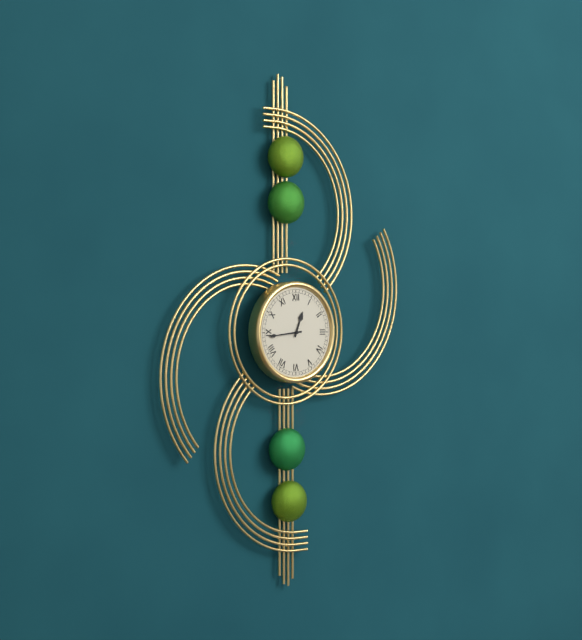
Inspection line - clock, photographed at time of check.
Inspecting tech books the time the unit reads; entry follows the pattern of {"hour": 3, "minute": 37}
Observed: {"hour": 12, "minute": 44}
